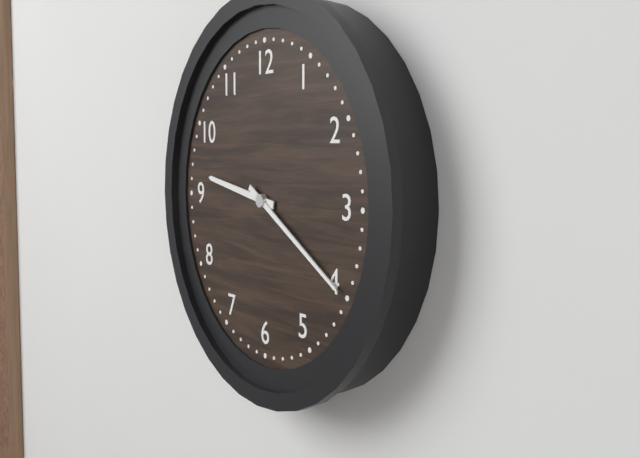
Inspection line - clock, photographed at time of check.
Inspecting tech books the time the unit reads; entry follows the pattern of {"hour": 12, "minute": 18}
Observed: {"hour": 9, "minute": 20}
